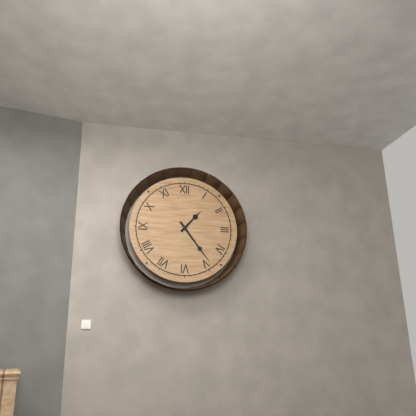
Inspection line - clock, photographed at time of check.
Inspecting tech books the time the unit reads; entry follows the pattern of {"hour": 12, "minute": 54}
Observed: {"hour": 1, "minute": 24}
